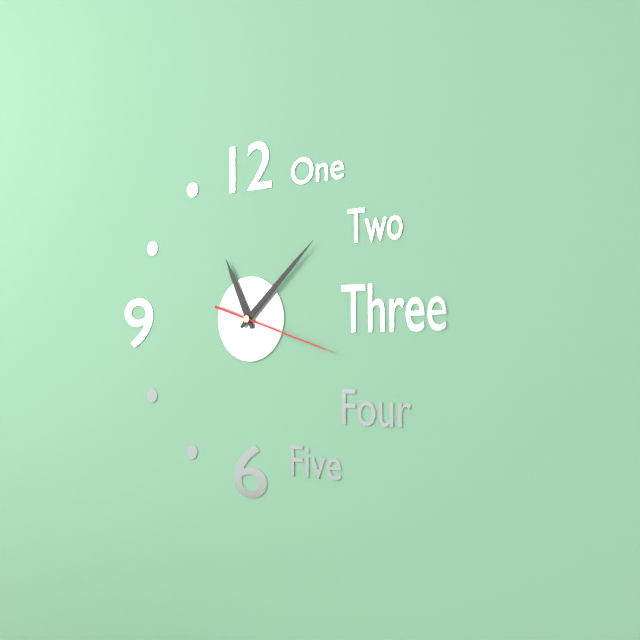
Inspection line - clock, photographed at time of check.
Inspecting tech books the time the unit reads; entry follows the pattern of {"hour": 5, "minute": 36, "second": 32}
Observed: {"hour": 11, "minute": 8, "second": 18}
